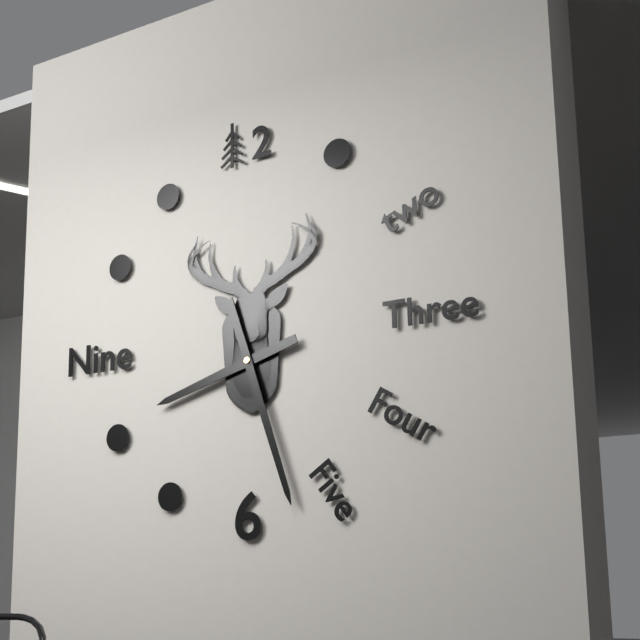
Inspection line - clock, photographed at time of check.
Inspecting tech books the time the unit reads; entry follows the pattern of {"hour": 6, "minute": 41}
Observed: {"hour": 8, "minute": 27}
